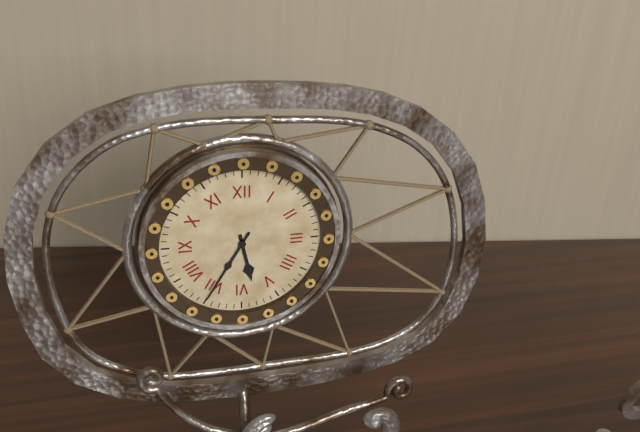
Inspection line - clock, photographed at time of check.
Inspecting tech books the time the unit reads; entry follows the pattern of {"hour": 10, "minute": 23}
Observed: {"hour": 5, "minute": 35}
